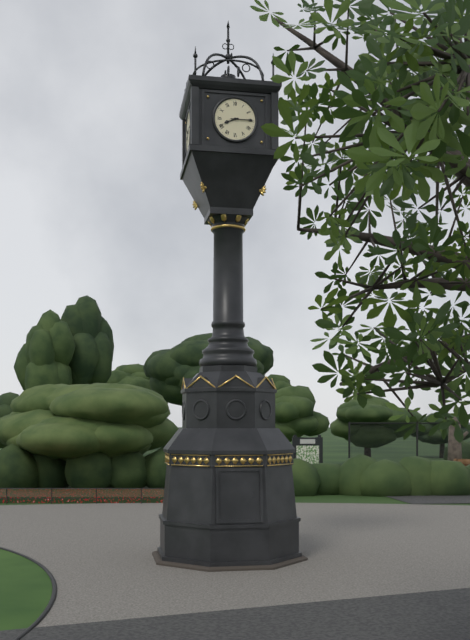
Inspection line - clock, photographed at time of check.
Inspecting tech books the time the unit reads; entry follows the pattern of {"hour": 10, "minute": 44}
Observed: {"hour": 8, "minute": 15}
